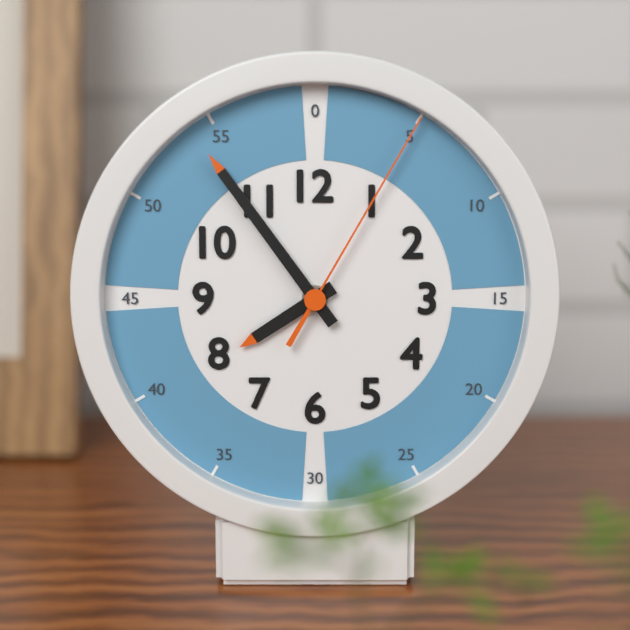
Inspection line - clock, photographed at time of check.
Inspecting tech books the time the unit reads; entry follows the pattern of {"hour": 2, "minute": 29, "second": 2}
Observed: {"hour": 7, "minute": 54, "second": 5}
